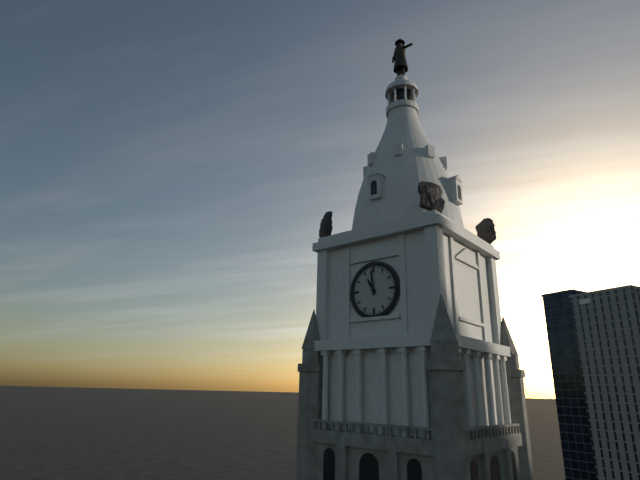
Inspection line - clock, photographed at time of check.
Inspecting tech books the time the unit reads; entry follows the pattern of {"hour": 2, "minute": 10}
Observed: {"hour": 10, "minute": 59}
